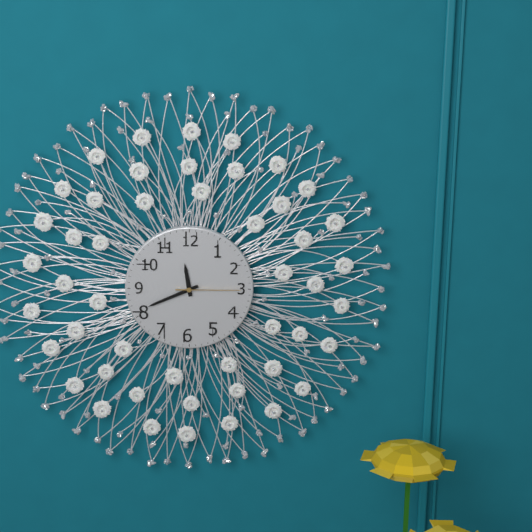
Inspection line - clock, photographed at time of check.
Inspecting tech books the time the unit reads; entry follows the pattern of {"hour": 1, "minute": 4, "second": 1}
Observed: {"hour": 11, "minute": 41, "second": 15}
